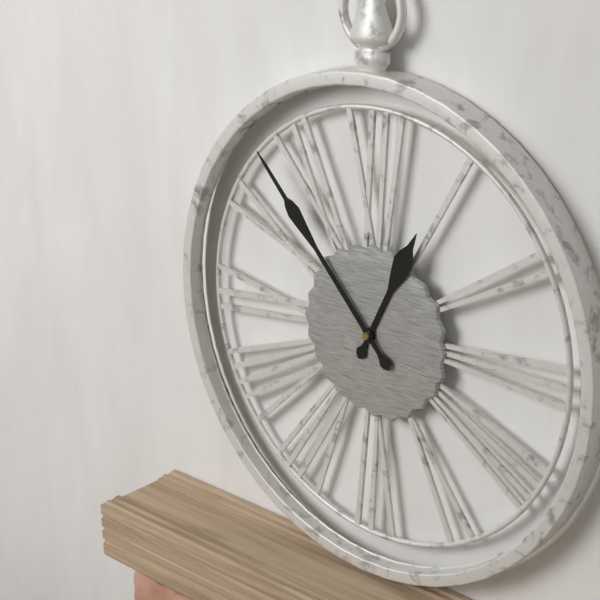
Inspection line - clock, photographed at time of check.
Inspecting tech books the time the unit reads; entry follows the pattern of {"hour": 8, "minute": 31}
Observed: {"hour": 12, "minute": 53}
